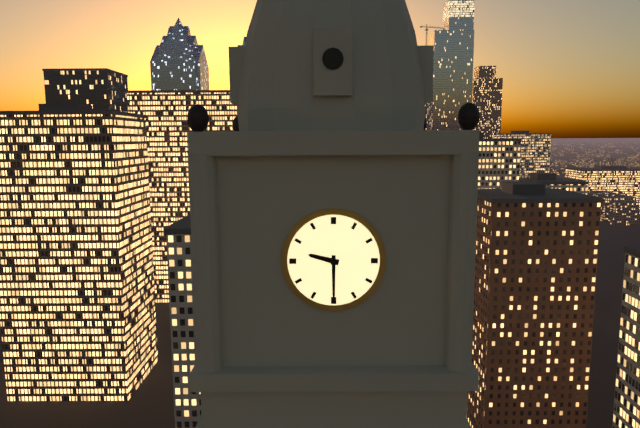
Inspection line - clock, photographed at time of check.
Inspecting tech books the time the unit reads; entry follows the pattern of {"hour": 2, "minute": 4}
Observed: {"hour": 9, "minute": 30}
